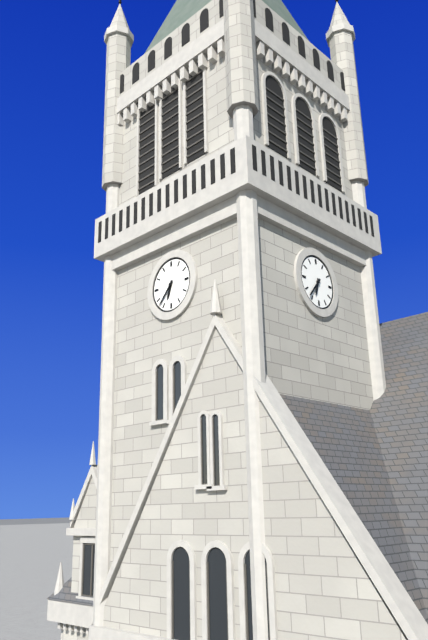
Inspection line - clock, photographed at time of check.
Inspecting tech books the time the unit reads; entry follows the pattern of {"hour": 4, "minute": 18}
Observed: {"hour": 6, "minute": 37}
